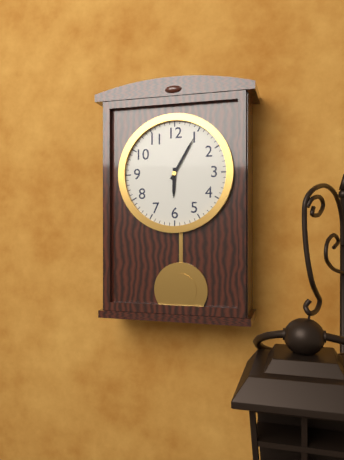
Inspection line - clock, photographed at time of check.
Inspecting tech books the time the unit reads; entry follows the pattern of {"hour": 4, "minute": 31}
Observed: {"hour": 6, "minute": 5}
